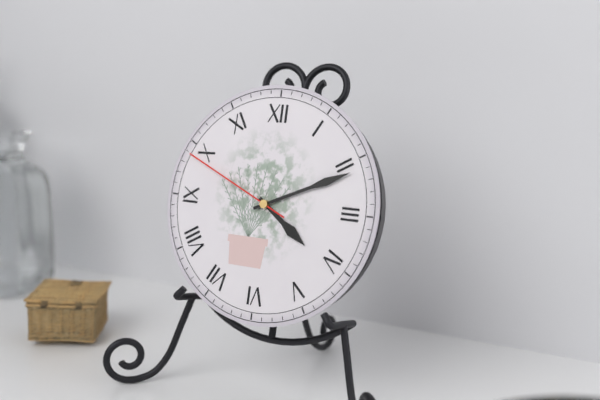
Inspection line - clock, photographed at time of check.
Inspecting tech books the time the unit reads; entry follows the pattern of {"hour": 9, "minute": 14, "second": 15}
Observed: {"hour": 4, "minute": 11, "second": 49}
